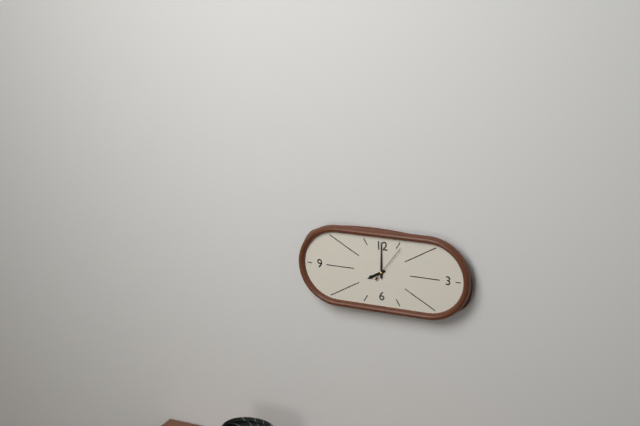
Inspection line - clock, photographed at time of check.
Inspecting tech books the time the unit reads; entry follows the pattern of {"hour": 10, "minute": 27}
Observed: {"hour": 8, "minute": 0}
